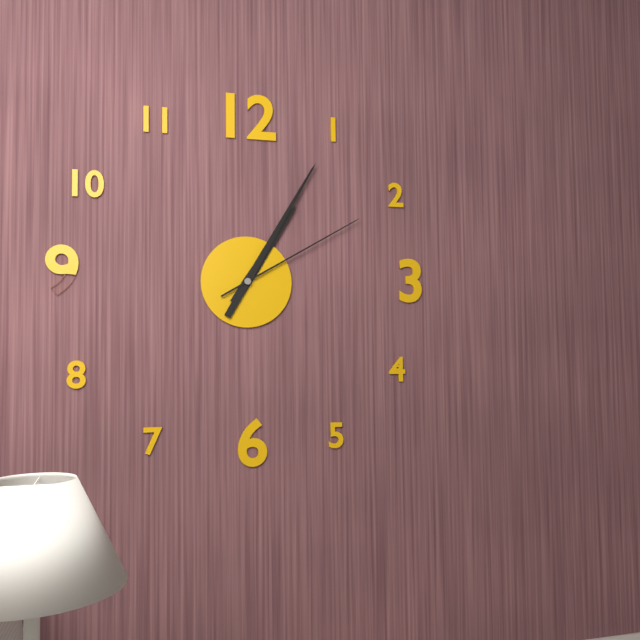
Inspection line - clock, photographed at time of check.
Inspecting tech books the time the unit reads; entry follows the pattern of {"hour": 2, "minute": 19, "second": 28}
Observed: {"hour": 1, "minute": 5, "second": 10}
